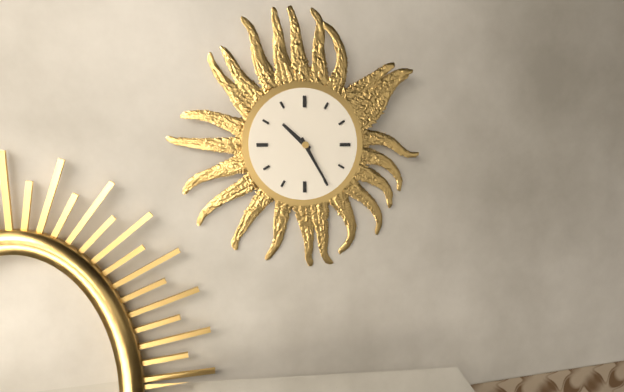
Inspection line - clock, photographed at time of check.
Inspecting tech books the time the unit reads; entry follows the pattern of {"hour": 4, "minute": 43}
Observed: {"hour": 10, "minute": 25}
